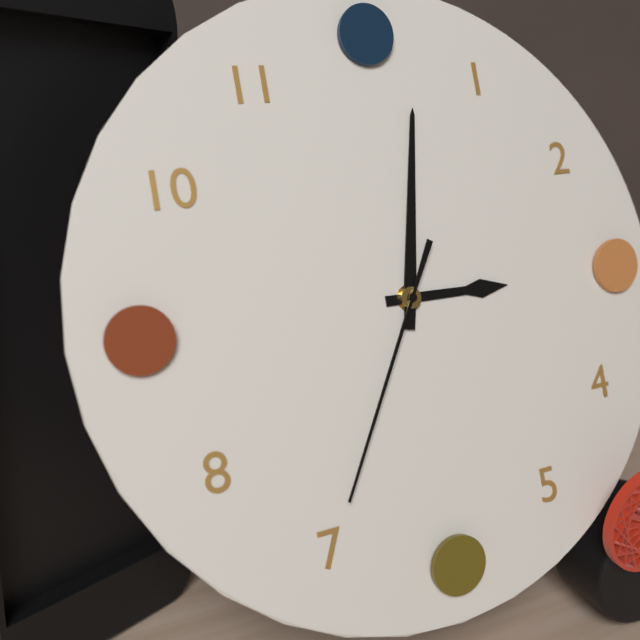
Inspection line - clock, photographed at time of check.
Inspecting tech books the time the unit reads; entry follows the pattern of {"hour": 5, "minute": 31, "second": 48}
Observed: {"hour": 3, "minute": 2, "second": 35}
